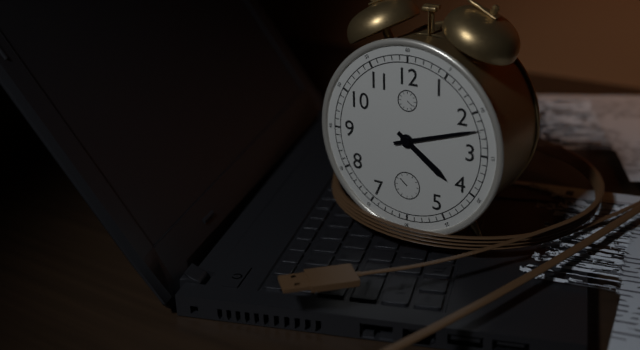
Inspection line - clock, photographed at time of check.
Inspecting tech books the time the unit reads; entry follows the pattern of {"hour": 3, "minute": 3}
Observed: {"hour": 4, "minute": 12}
